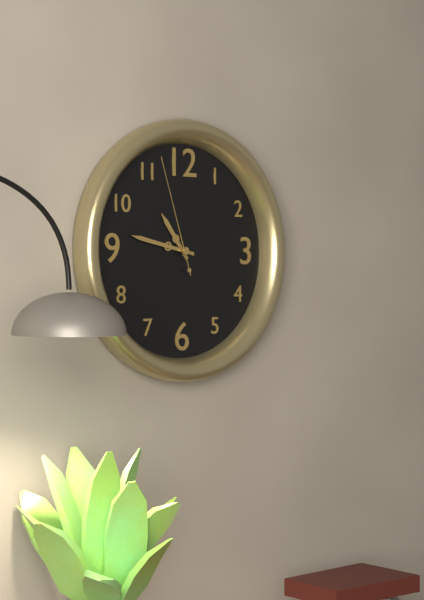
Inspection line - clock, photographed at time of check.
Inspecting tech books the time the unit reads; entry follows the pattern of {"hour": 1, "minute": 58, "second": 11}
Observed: {"hour": 10, "minute": 47, "second": 57}
